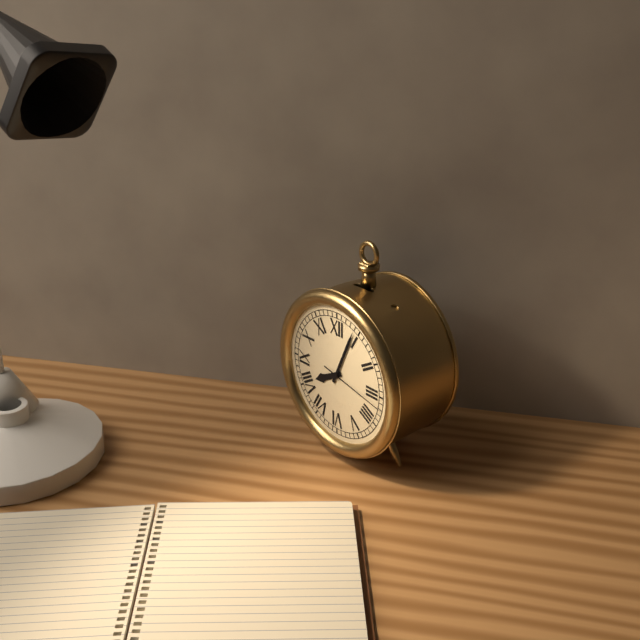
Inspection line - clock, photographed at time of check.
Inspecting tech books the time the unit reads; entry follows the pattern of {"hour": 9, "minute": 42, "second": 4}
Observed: {"hour": 8, "minute": 4, "second": 17}
